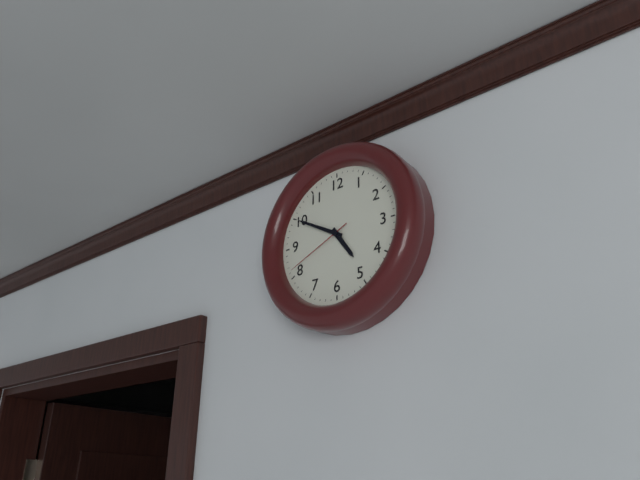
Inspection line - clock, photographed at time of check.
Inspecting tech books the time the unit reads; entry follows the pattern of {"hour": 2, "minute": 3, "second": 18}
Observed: {"hour": 4, "minute": 50, "second": 41}
